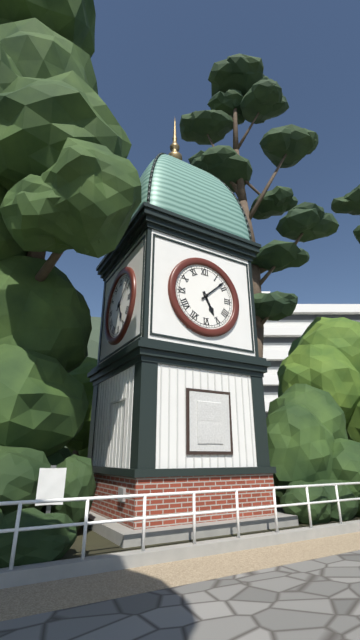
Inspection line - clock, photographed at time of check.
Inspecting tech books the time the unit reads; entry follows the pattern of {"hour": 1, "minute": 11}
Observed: {"hour": 5, "minute": 8}
